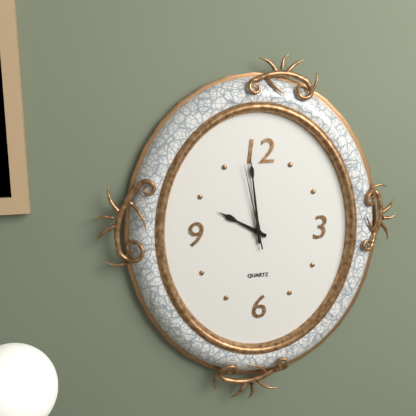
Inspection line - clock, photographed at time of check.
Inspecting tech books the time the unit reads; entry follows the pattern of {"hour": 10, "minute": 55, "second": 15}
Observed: {"hour": 9, "minute": 59, "second": 58}
